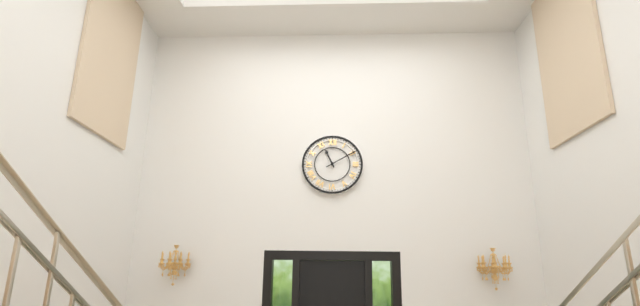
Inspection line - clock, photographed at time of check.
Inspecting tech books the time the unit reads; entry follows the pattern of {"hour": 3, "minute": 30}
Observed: {"hour": 11, "minute": 10}
